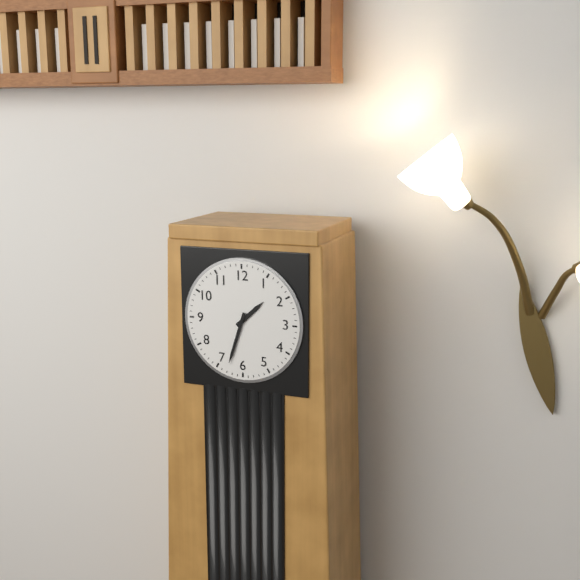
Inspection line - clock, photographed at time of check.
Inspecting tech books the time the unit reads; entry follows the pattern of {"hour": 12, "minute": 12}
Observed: {"hour": 1, "minute": 33}
